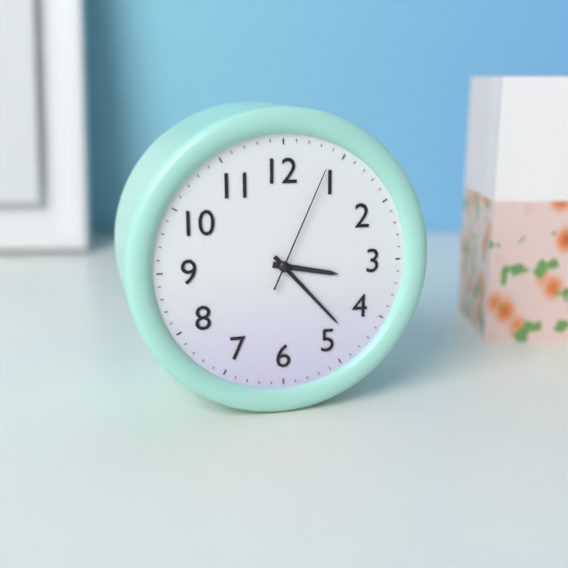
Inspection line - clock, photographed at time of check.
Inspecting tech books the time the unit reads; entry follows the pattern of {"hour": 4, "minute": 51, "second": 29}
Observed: {"hour": 3, "minute": 23, "second": 4}
